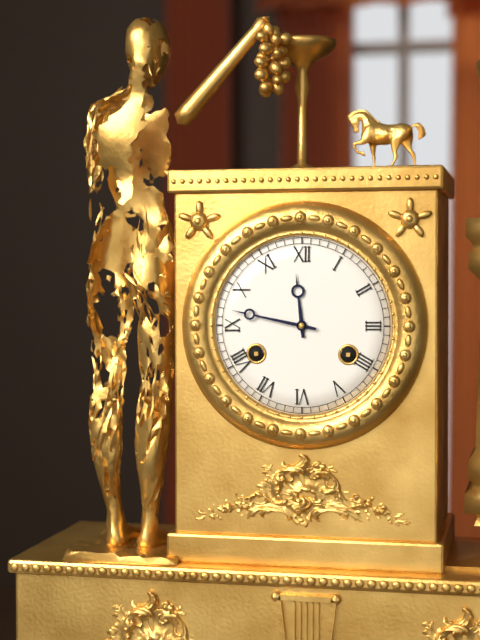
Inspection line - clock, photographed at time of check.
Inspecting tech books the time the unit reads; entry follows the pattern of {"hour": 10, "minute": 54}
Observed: {"hour": 11, "minute": 47}
